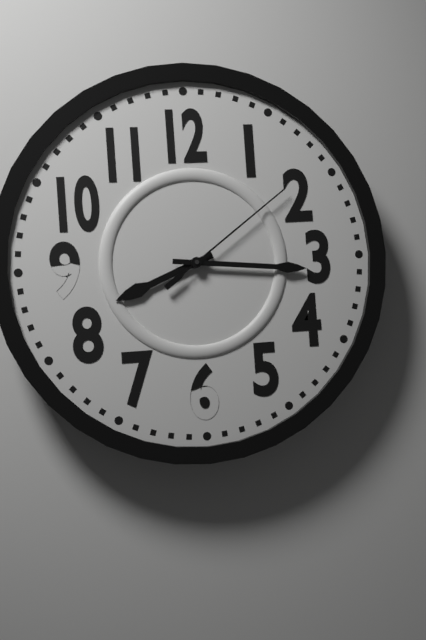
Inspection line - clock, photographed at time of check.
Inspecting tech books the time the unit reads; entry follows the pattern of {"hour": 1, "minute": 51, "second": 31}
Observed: {"hour": 8, "minute": 16, "second": 9}
